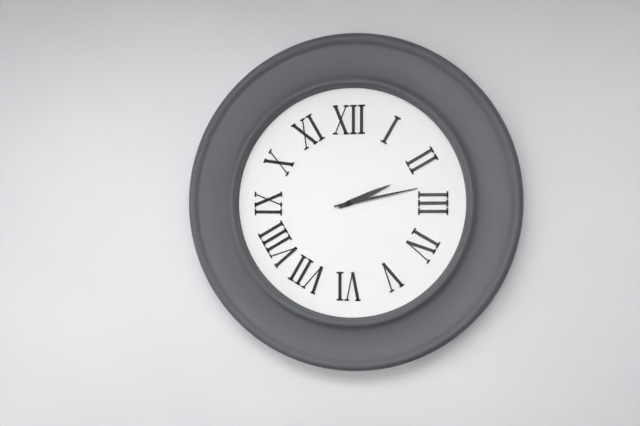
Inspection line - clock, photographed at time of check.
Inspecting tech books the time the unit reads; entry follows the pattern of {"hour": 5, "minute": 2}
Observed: {"hour": 2, "minute": 13}
